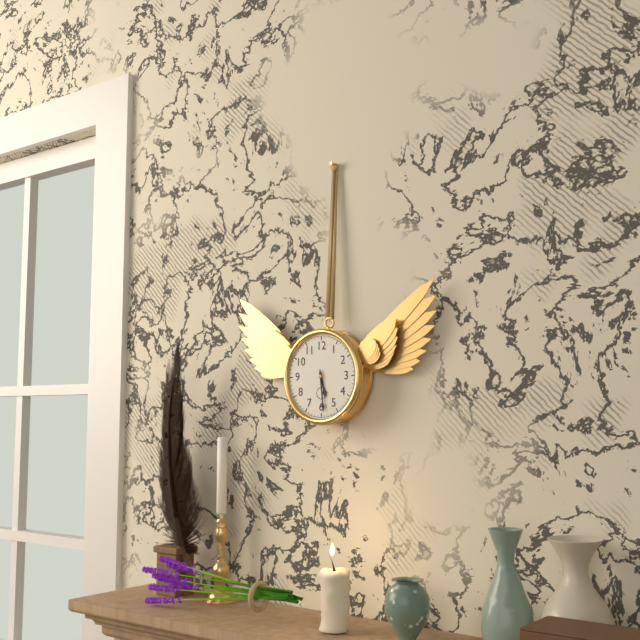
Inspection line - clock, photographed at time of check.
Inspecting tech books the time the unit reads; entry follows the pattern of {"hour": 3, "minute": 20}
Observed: {"hour": 5, "minute": 29}
